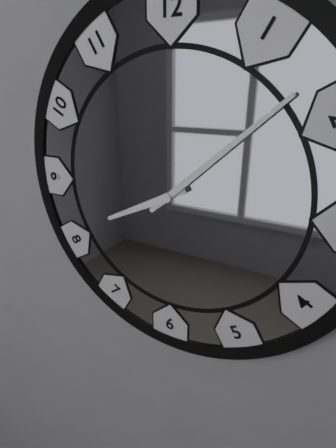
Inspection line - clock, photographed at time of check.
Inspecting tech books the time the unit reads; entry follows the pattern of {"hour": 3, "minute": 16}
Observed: {"hour": 8, "minute": 8}
